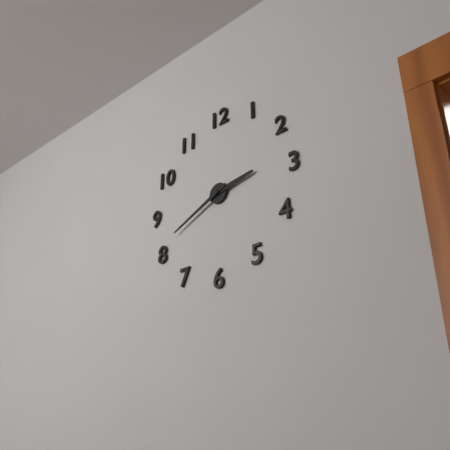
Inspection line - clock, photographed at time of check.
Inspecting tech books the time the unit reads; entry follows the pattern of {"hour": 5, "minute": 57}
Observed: {"hour": 2, "minute": 41}
